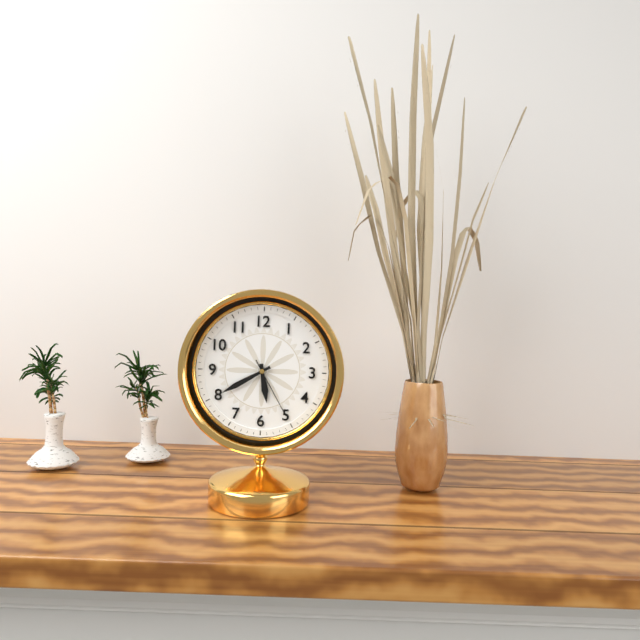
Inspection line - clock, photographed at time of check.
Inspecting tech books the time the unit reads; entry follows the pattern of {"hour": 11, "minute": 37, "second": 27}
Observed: {"hour": 5, "minute": 40, "second": 25}
